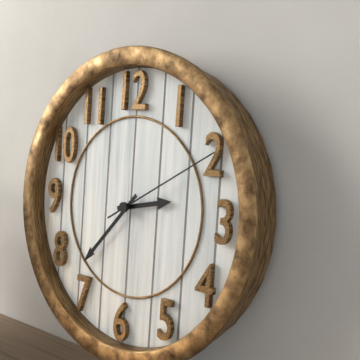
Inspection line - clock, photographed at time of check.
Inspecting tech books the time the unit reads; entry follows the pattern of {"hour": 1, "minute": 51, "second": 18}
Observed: {"hour": 2, "minute": 37, "second": 10}
